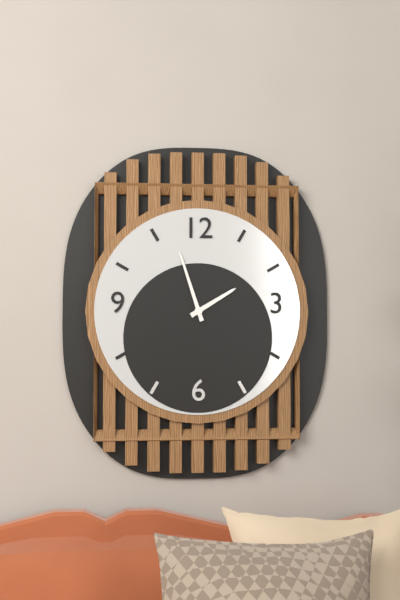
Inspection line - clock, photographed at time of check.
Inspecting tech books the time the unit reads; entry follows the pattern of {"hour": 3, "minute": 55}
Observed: {"hour": 1, "minute": 57}
